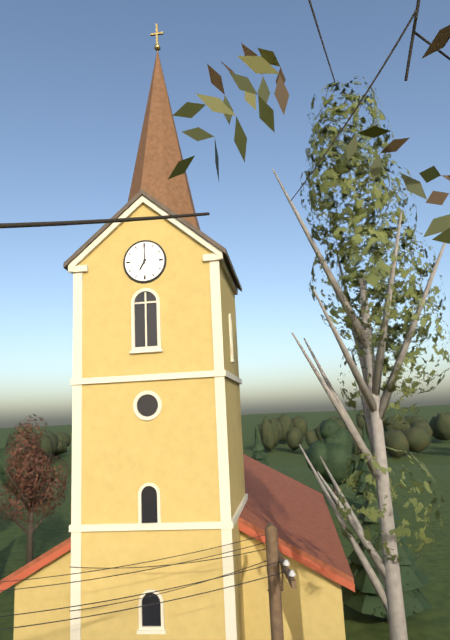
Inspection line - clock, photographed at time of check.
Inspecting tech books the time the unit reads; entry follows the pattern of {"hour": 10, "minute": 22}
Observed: {"hour": 7, "minute": 0}
